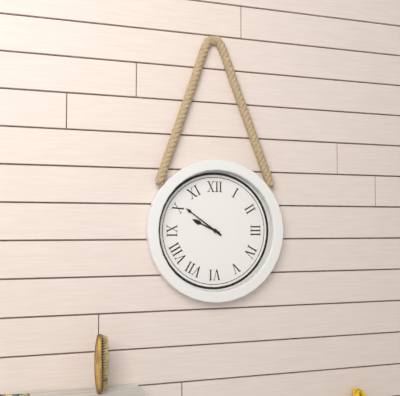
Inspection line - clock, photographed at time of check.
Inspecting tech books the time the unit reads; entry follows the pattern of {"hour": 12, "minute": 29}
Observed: {"hour": 9, "minute": 51}
